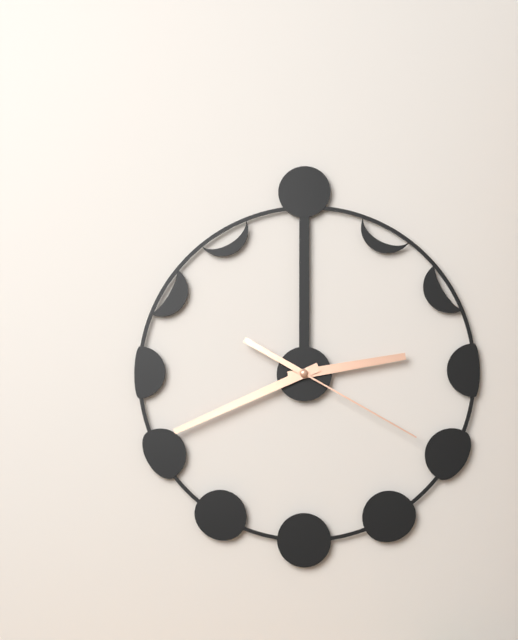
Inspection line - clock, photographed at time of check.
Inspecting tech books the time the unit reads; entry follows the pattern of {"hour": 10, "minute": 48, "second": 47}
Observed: {"hour": 2, "minute": 41, "second": 20}
